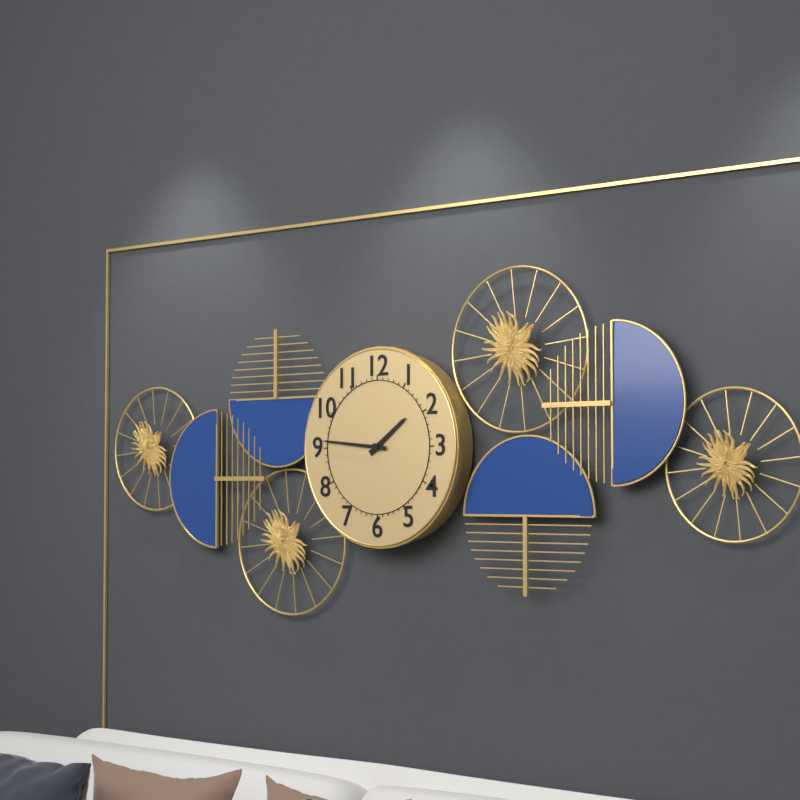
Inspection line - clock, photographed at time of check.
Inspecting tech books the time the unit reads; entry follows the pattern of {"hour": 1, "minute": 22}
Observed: {"hour": 1, "minute": 46}
